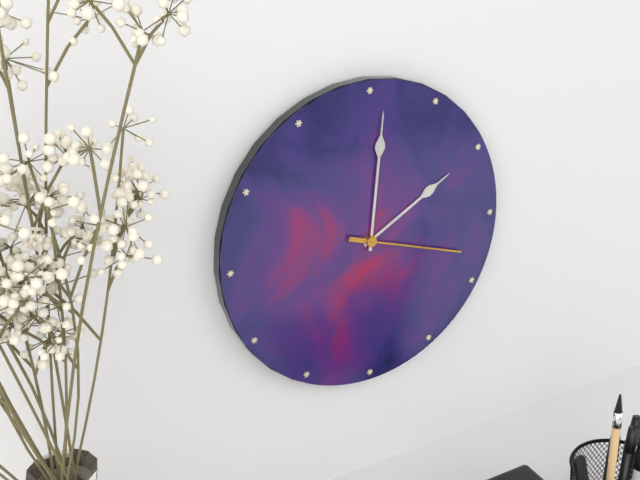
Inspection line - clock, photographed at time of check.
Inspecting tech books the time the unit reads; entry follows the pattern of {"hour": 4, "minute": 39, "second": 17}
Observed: {"hour": 2, "minute": 1, "second": 18}
